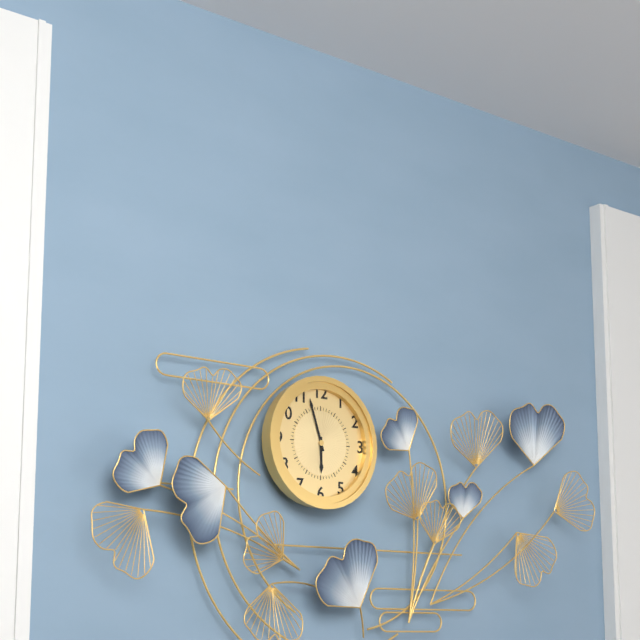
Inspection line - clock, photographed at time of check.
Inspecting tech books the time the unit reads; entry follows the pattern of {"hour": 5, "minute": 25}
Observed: {"hour": 5, "minute": 57}
